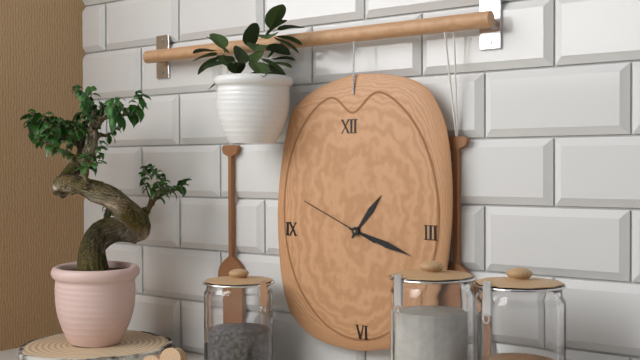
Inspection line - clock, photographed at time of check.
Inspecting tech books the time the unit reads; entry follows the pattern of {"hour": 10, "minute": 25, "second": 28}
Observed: {"hour": 1, "minute": 18, "second": 49}
